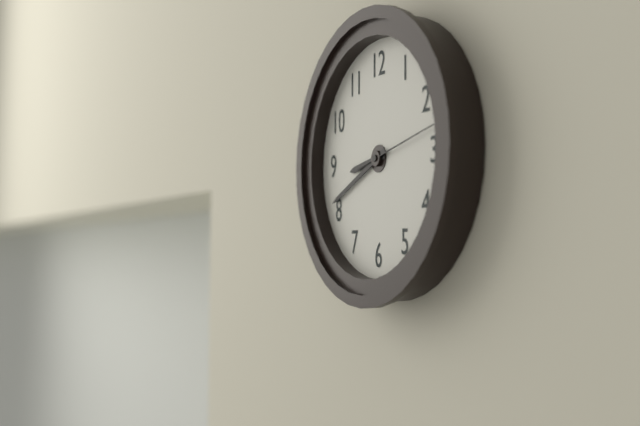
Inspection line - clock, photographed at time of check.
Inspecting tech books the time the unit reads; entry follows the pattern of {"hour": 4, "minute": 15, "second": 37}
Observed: {"hour": 8, "minute": 41, "second": 13}
